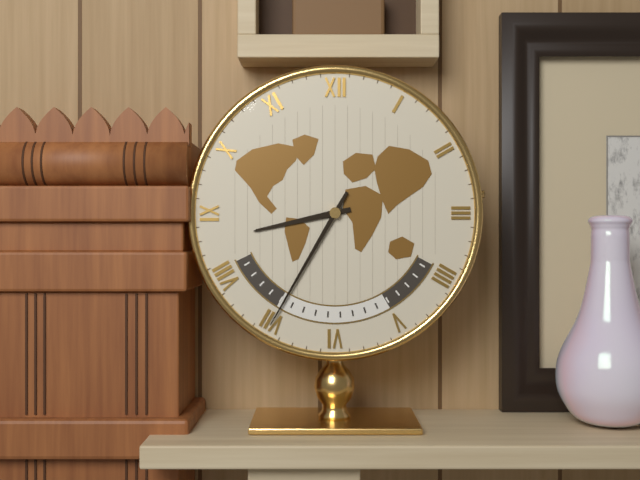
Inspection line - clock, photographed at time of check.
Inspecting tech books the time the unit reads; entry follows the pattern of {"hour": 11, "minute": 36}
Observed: {"hour": 8, "minute": 35}
